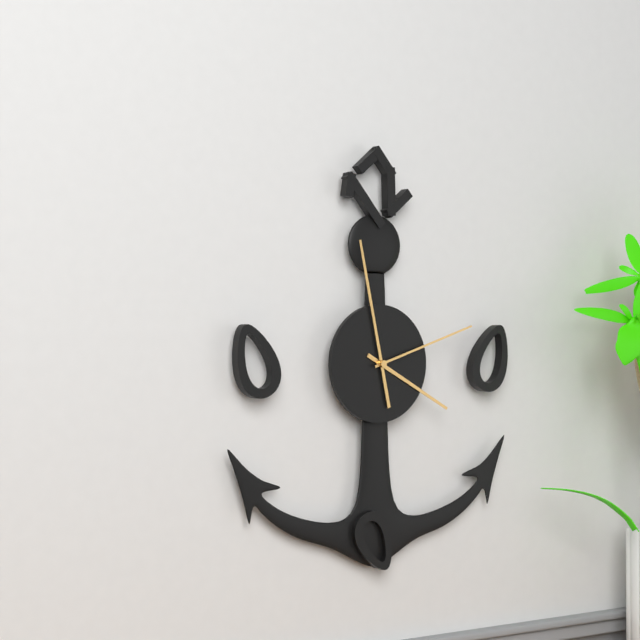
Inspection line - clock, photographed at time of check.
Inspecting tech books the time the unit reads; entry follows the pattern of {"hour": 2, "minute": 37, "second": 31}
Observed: {"hour": 3, "minute": 58, "second": 12}
